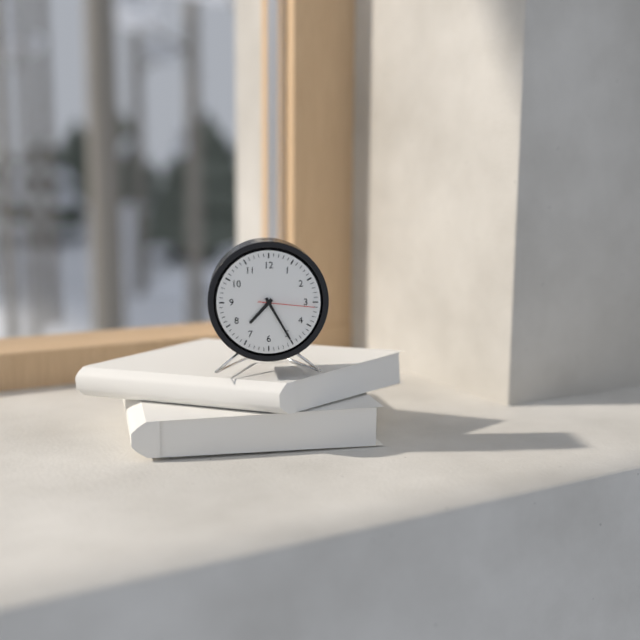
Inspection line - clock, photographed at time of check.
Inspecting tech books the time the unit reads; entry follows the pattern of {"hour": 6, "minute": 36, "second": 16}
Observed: {"hour": 7, "minute": 25, "second": 16}
